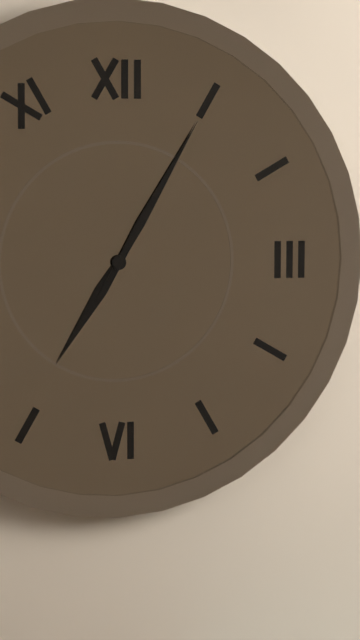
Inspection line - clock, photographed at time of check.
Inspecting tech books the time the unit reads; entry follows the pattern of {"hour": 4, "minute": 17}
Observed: {"hour": 7, "minute": 5}
